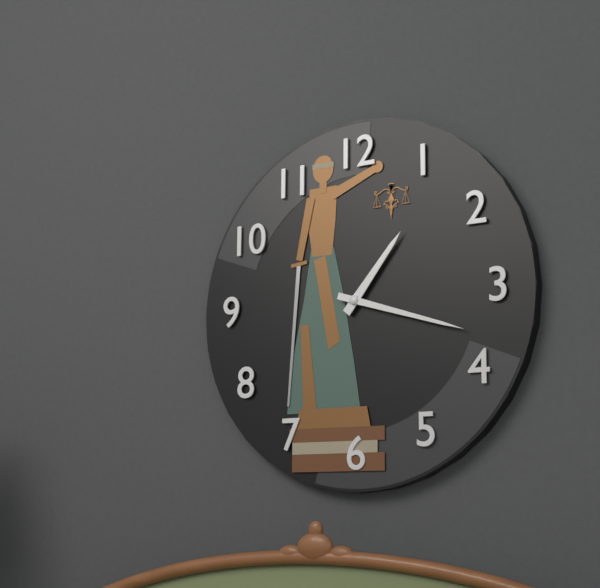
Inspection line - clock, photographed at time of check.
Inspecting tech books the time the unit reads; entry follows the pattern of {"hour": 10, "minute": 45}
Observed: {"hour": 1, "minute": 18}
